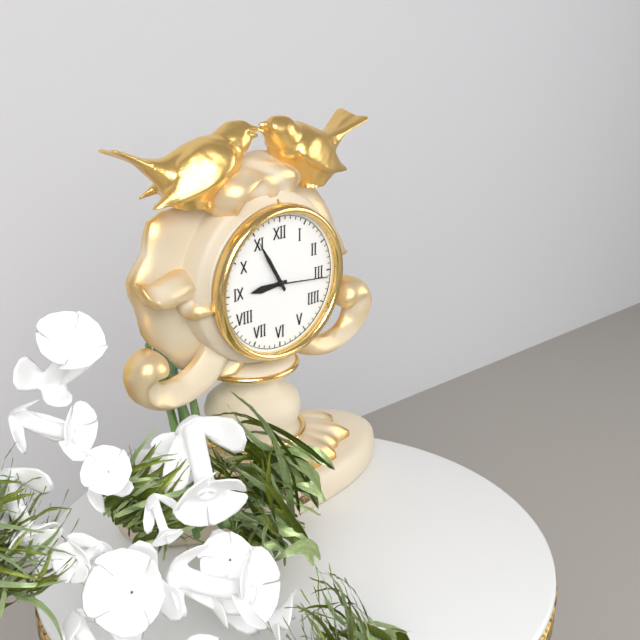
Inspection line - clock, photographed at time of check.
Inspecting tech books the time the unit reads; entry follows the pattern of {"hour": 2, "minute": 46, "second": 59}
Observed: {"hour": 8, "minute": 55, "second": 16}
